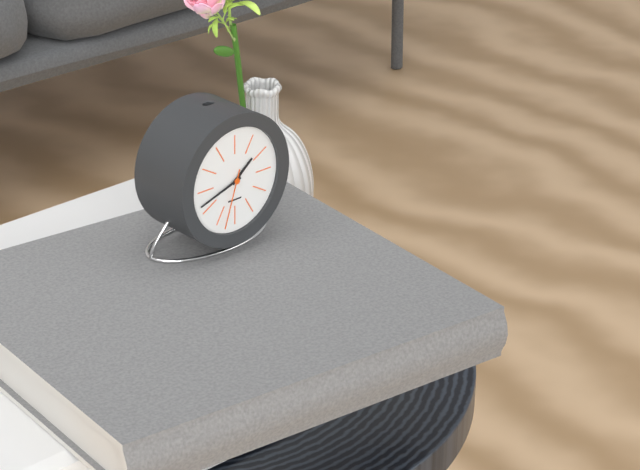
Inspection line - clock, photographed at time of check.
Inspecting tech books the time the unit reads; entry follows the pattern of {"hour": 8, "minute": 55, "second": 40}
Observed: {"hour": 1, "minute": 42, "second": 33}
